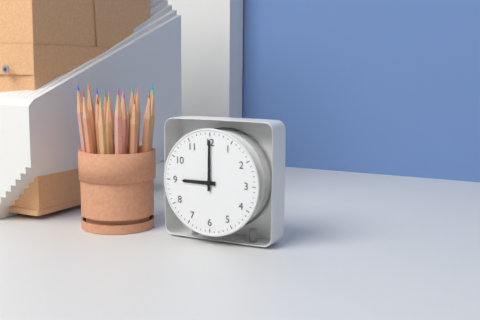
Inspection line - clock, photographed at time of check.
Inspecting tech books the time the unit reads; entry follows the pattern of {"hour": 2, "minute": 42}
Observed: {"hour": 9, "minute": 0}
